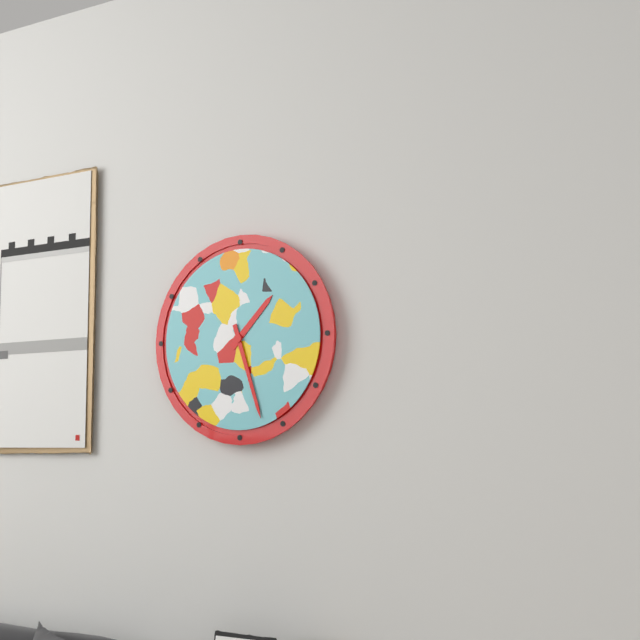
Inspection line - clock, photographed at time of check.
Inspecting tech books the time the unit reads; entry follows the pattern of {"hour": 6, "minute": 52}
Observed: {"hour": 1, "minute": 27}
